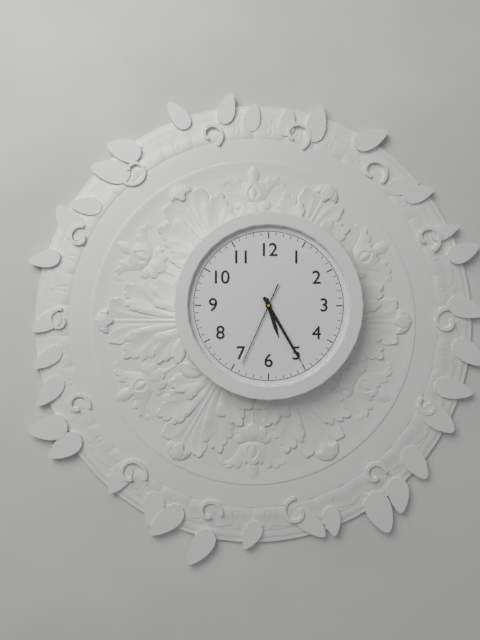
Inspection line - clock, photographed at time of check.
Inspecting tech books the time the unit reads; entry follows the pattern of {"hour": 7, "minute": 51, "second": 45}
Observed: {"hour": 5, "minute": 25, "second": 34}
